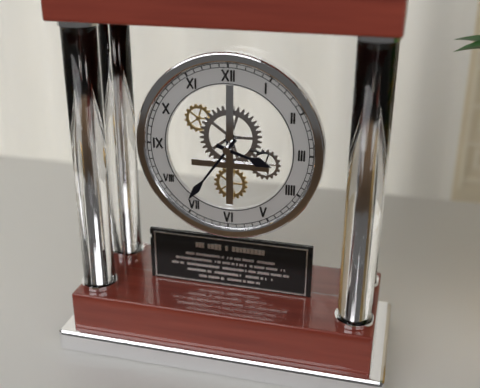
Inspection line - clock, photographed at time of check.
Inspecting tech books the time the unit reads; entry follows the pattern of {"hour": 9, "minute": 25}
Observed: {"hour": 3, "minute": 36}
